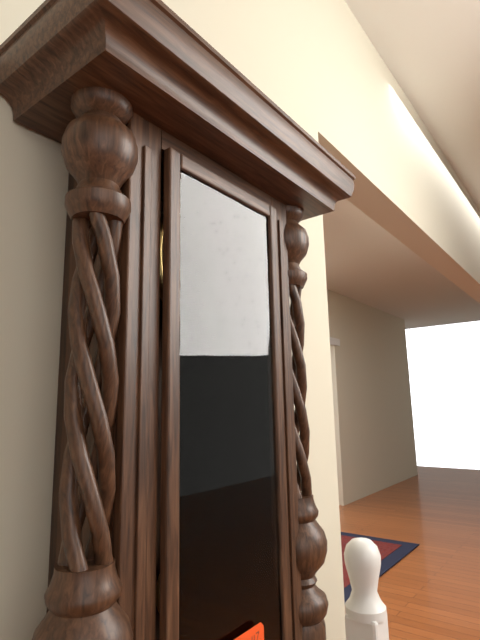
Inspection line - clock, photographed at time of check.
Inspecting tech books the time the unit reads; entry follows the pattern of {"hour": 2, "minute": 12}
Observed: {"hour": 8, "minute": 7}
